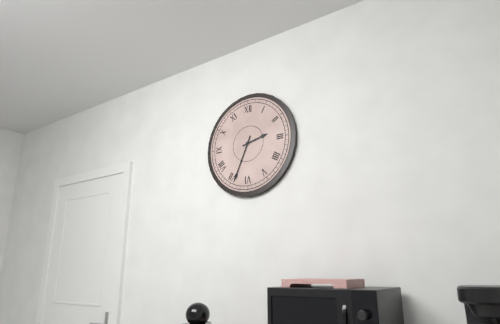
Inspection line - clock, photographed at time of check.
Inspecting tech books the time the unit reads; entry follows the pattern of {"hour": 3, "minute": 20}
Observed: {"hour": 2, "minute": 34}
